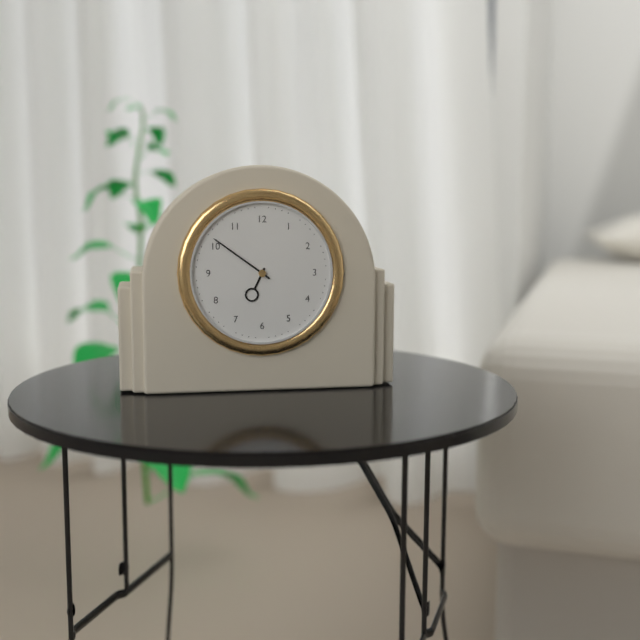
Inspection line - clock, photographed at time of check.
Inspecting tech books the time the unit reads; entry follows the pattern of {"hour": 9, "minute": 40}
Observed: {"hour": 6, "minute": 51}
